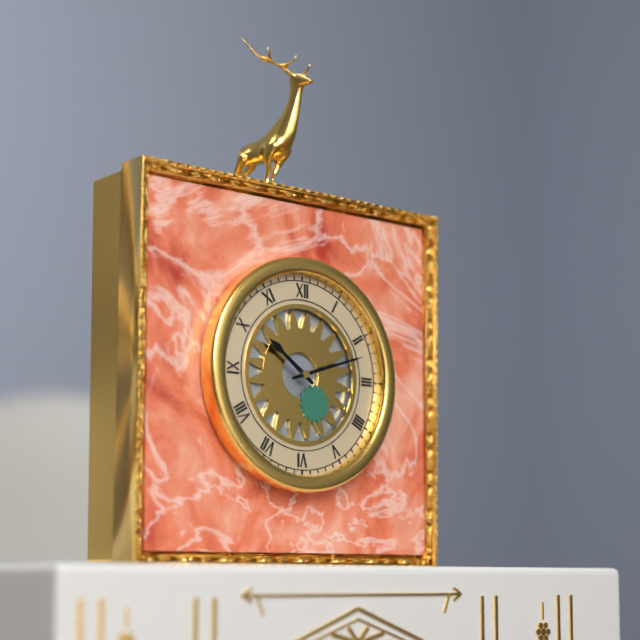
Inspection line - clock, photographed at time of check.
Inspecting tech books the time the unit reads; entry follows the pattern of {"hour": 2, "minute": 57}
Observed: {"hour": 10, "minute": 12}
